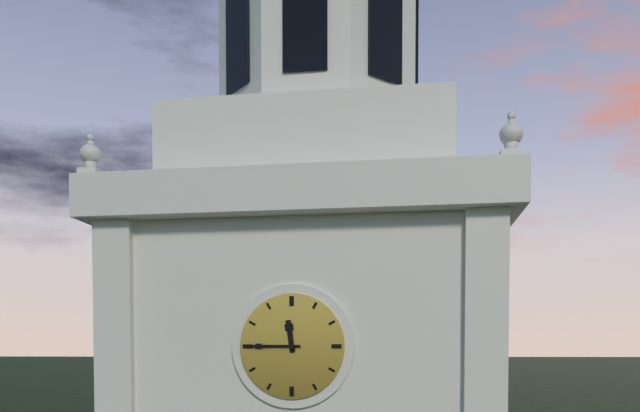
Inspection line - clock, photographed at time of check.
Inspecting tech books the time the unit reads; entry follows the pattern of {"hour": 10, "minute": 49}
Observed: {"hour": 11, "minute": 45}
